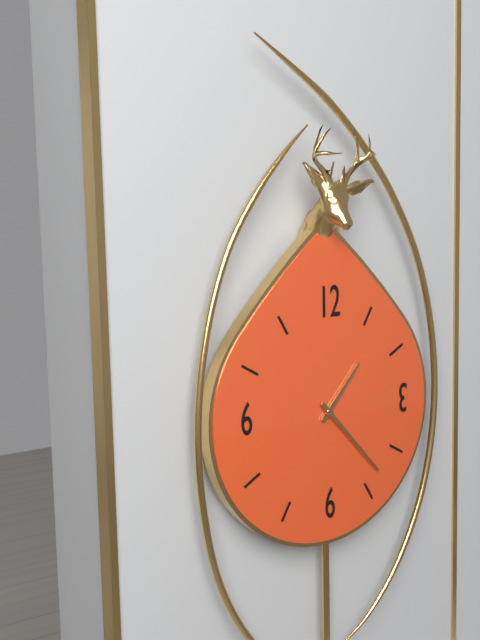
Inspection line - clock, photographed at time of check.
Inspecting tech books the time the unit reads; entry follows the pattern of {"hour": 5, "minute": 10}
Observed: {"hour": 1, "minute": 23}
